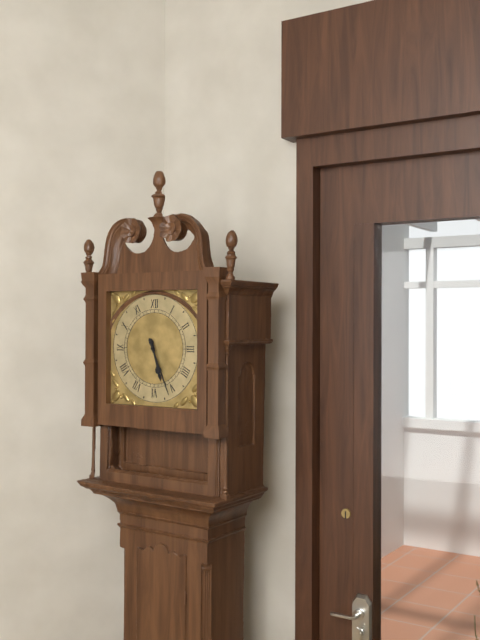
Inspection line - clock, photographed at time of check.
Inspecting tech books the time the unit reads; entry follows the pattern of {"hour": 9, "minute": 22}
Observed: {"hour": 5, "minute": 26}
